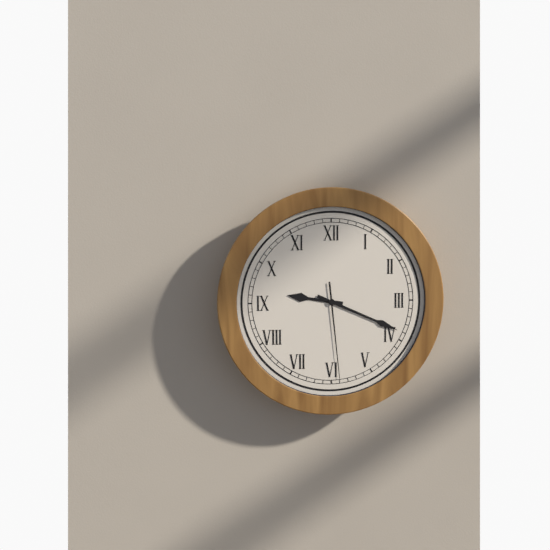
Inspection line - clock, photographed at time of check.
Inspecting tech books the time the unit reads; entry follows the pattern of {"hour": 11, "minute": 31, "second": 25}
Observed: {"hour": 9, "minute": 19, "second": 29}
